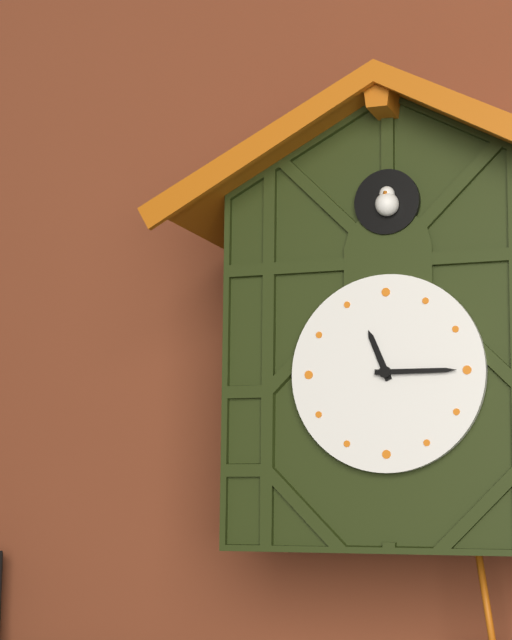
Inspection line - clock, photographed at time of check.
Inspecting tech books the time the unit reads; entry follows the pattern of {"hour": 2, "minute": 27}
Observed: {"hour": 11, "minute": 15}
